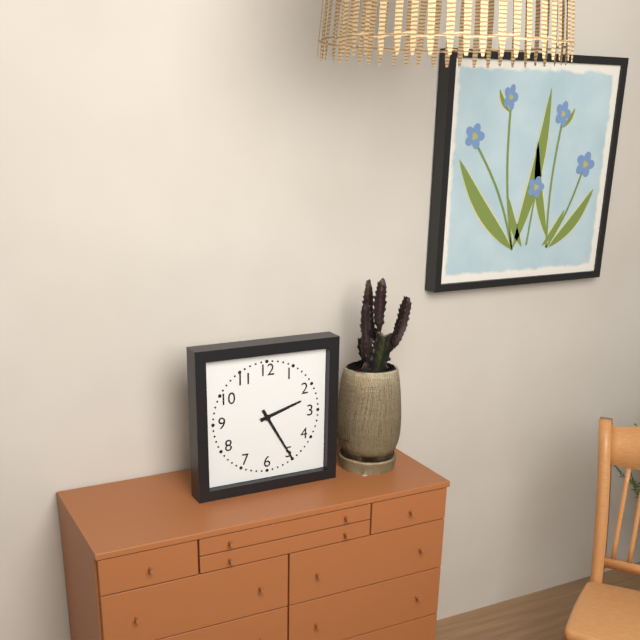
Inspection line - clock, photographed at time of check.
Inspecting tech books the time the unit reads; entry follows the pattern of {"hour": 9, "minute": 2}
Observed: {"hour": 2, "minute": 25}
